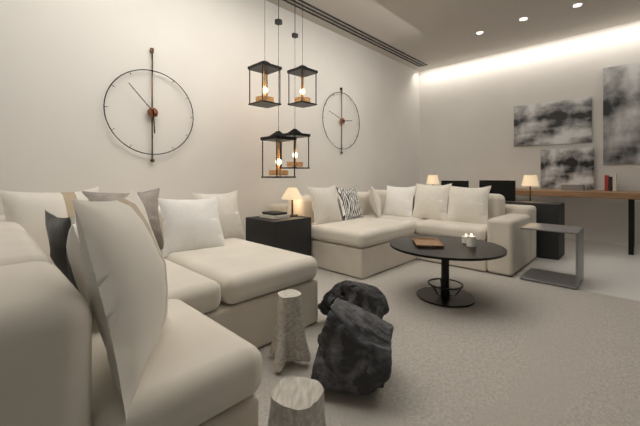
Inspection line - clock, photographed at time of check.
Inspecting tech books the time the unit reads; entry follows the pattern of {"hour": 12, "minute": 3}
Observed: {"hour": 5, "minute": 53}
